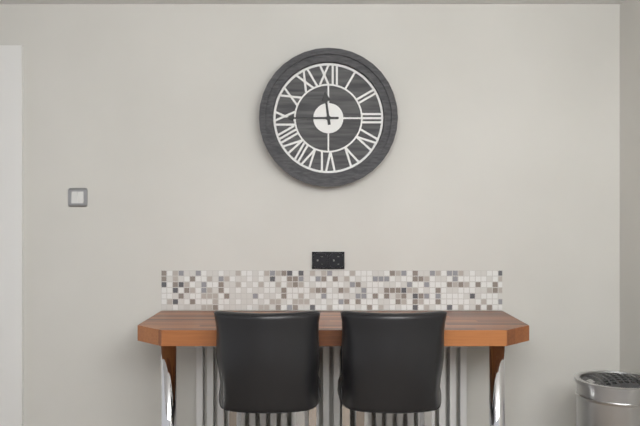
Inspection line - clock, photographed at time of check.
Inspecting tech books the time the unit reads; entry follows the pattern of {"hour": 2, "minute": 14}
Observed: {"hour": 11, "minute": 45}
